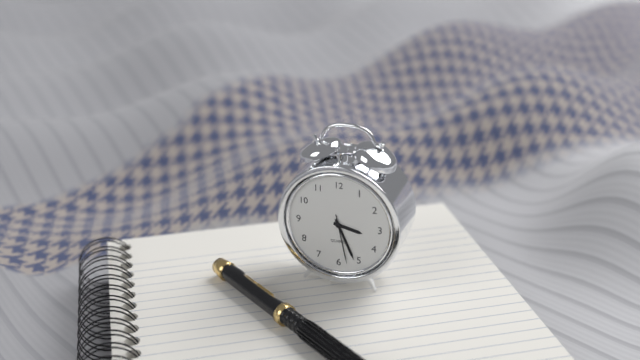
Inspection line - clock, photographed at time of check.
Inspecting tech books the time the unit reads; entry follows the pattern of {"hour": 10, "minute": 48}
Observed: {"hour": 3, "minute": 26}
